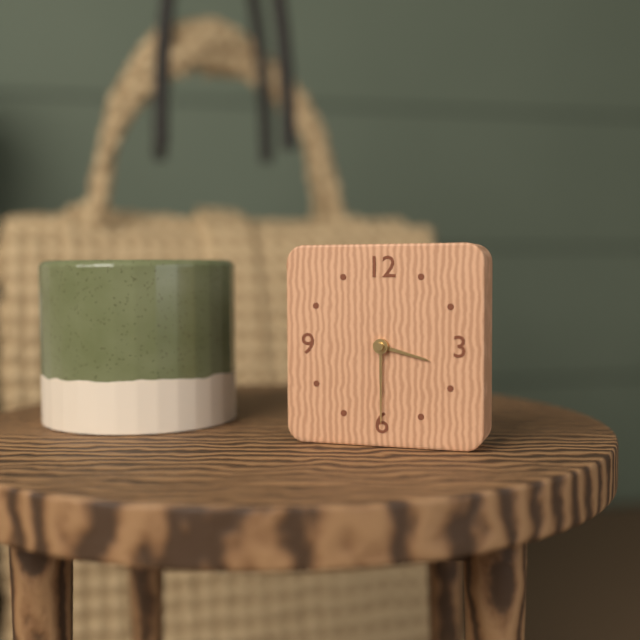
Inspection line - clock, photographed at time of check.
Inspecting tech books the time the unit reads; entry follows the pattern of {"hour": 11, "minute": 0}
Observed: {"hour": 3, "minute": 30}
